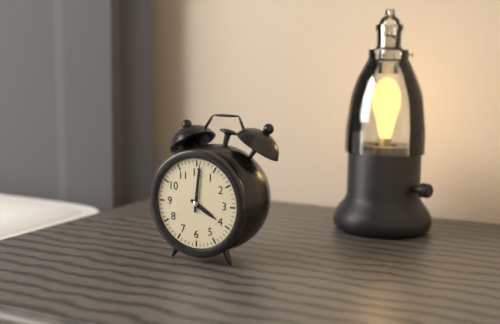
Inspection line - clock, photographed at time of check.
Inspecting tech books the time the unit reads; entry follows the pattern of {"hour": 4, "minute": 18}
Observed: {"hour": 4, "minute": 1}
